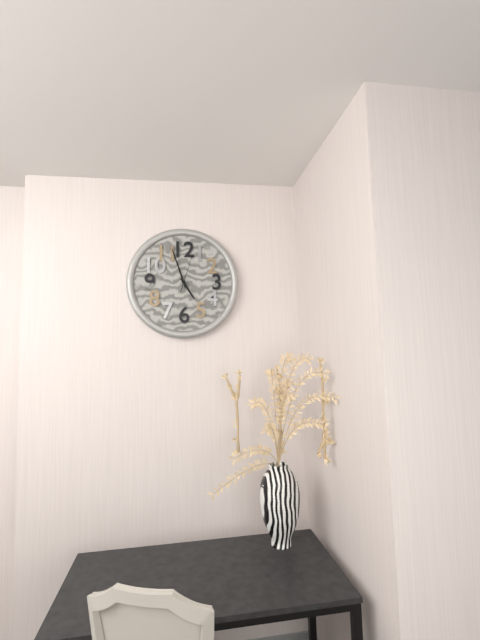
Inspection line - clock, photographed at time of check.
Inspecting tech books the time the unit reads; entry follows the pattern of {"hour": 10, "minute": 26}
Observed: {"hour": 4, "minute": 57}
